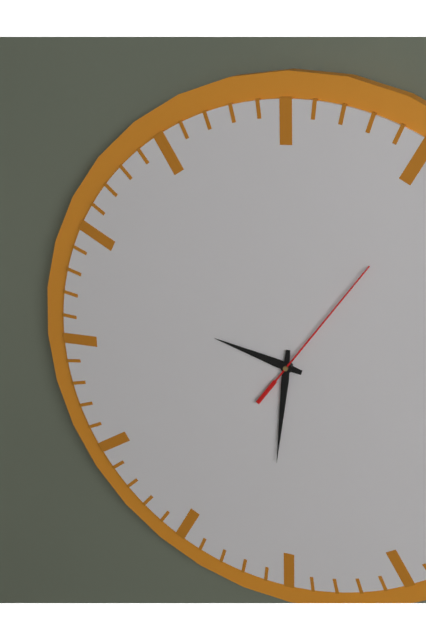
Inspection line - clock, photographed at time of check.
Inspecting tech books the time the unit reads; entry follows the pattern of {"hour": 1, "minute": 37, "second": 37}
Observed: {"hour": 9, "minute": 31, "second": 6}
